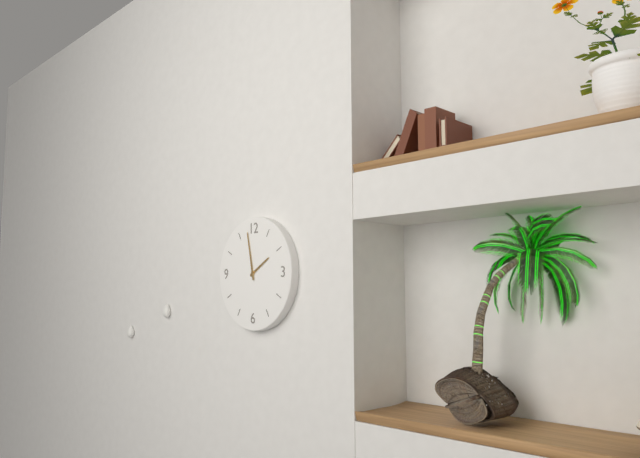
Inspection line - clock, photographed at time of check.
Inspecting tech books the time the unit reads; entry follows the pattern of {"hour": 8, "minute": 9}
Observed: {"hour": 1, "minute": 58}
